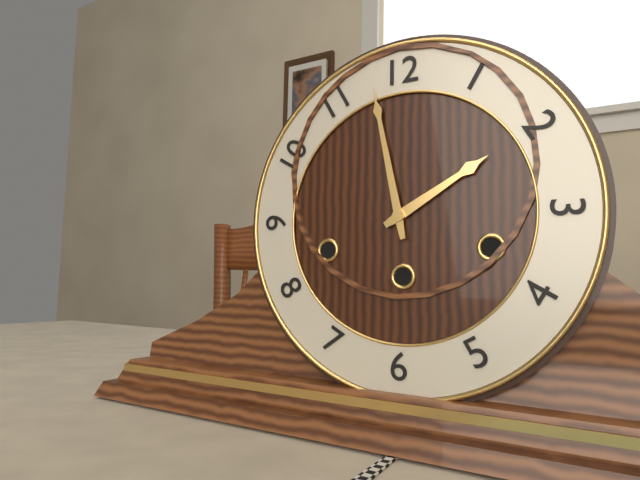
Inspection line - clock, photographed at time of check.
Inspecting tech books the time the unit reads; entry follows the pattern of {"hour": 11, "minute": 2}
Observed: {"hour": 1, "minute": 58}
